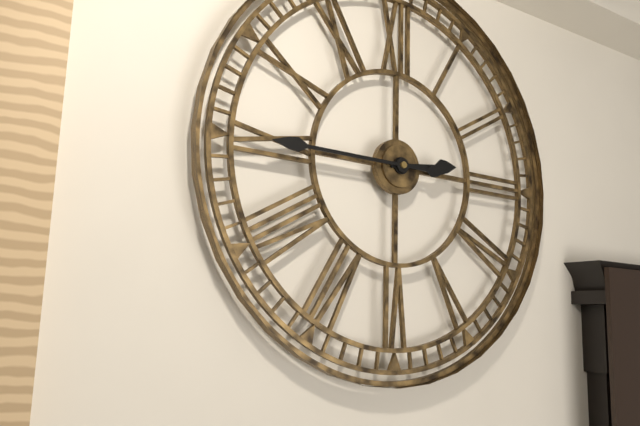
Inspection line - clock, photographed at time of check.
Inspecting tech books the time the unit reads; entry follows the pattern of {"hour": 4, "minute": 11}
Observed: {"hour": 2, "minute": 45}
